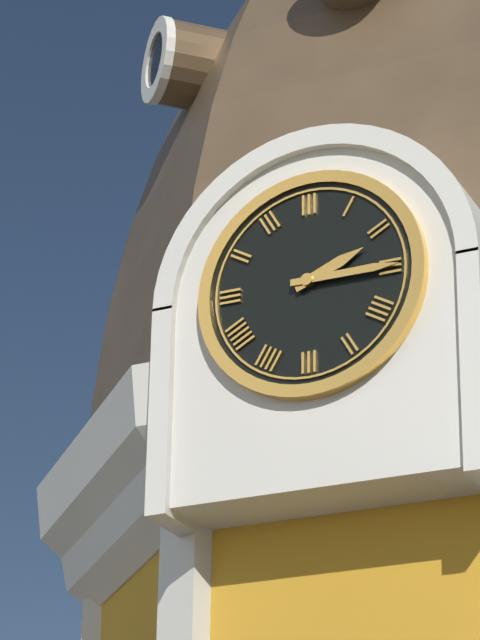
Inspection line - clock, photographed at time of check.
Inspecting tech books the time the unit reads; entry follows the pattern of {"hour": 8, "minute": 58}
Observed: {"hour": 2, "minute": 15}
